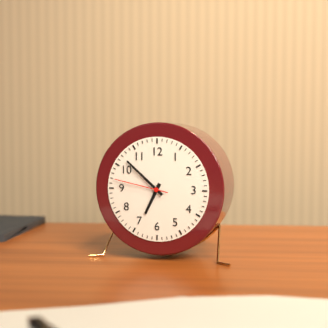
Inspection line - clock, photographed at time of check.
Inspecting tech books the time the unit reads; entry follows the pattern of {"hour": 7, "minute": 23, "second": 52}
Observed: {"hour": 6, "minute": 52, "second": 47}
